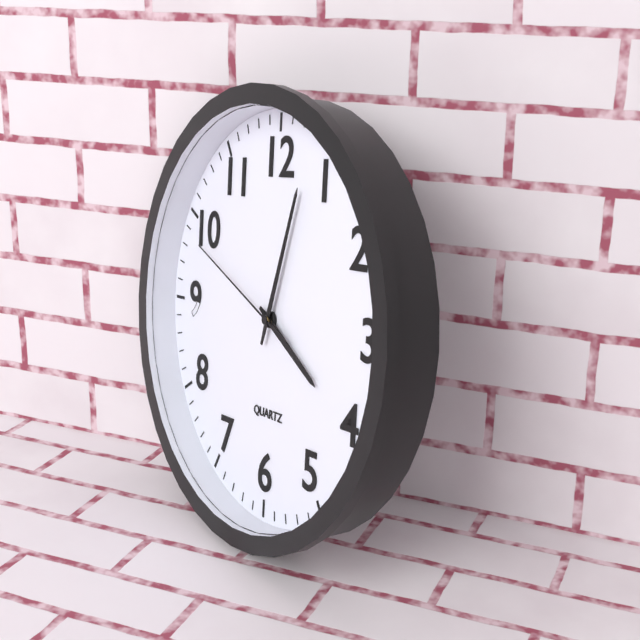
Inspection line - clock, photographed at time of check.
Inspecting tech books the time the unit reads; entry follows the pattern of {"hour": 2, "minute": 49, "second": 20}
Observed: {"hour": 4, "minute": 3, "second": 49}
